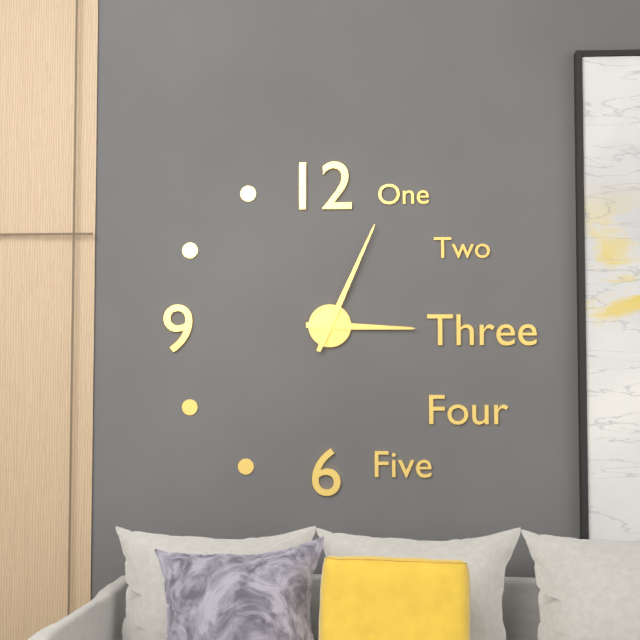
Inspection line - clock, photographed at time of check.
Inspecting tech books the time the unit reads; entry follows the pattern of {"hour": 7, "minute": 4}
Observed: {"hour": 3, "minute": 4}
